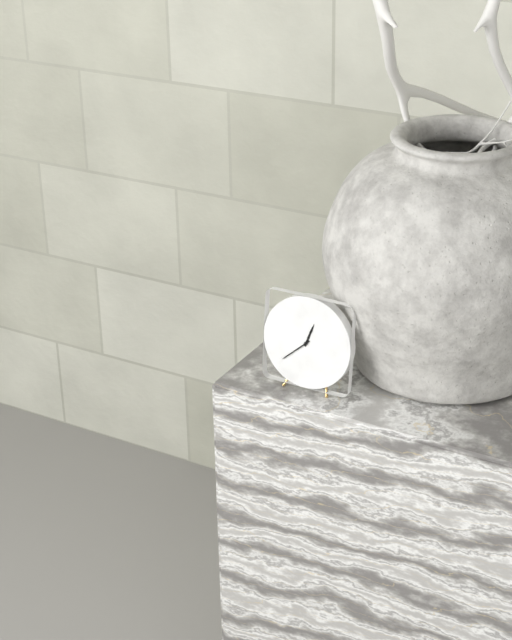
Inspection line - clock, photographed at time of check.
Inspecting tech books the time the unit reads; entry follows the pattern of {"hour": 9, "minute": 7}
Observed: {"hour": 12, "minute": 38}
